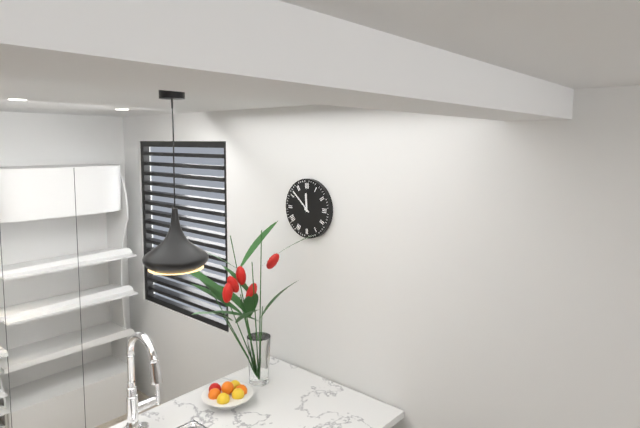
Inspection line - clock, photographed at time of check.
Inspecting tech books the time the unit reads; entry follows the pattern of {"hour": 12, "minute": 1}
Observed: {"hour": 11, "minute": 52}
